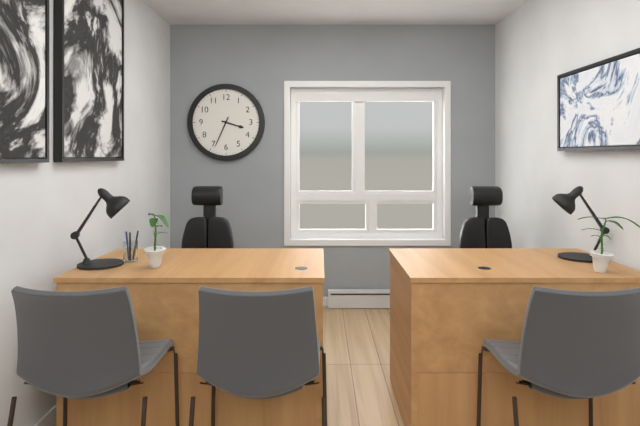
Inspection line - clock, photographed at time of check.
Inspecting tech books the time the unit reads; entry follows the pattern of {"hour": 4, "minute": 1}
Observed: {"hour": 3, "minute": 34}
